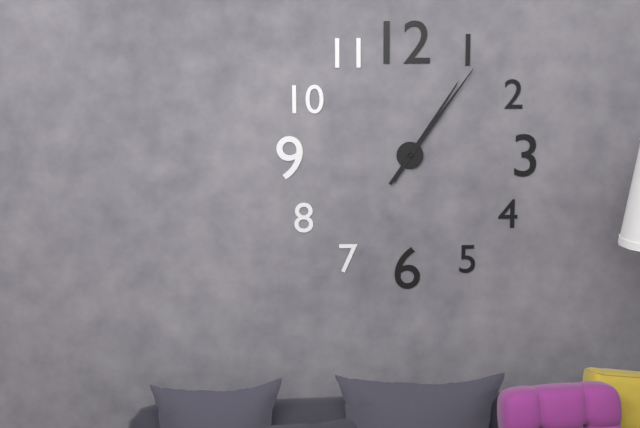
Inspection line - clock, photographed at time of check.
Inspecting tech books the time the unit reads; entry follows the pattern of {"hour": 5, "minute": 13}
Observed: {"hour": 1, "minute": 6}
